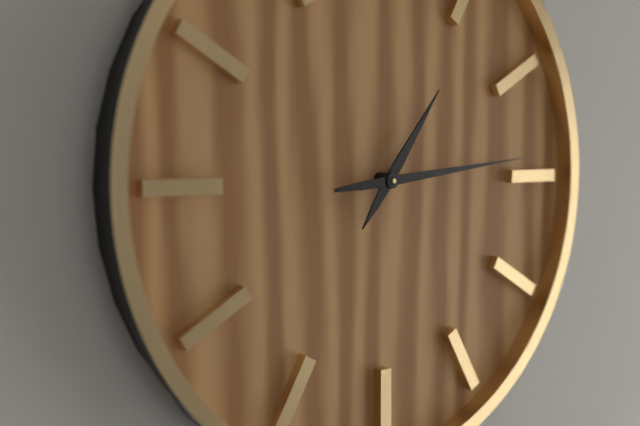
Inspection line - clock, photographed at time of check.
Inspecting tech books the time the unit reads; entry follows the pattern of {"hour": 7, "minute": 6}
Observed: {"hour": 1, "minute": 14}
